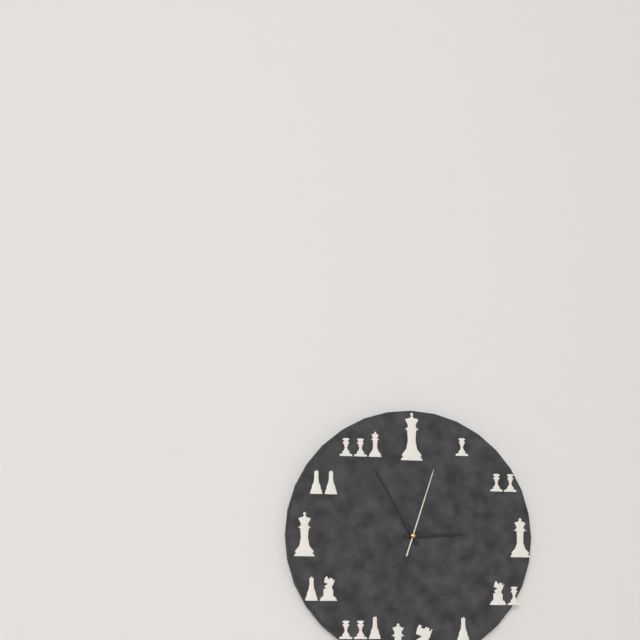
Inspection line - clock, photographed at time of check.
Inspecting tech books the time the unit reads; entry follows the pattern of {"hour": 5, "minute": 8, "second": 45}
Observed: {"hour": 2, "minute": 55, "second": 3}
